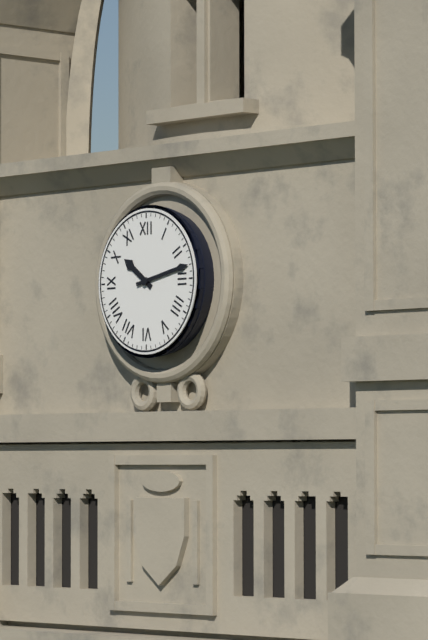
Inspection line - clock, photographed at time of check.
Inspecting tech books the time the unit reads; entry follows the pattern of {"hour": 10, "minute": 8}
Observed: {"hour": 10, "minute": 13}
